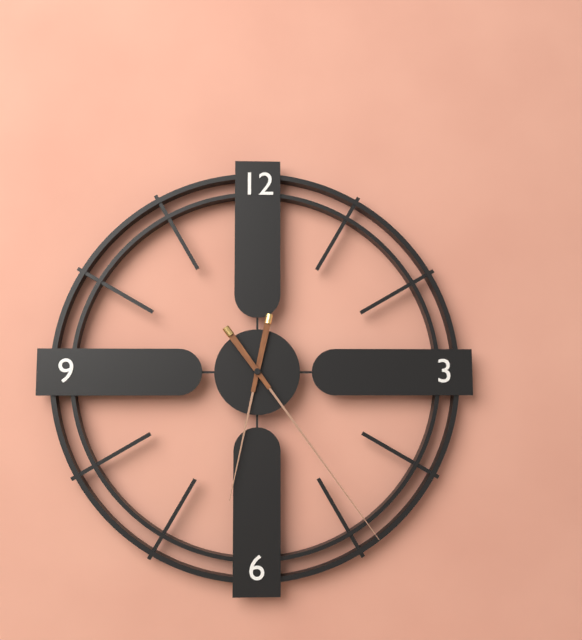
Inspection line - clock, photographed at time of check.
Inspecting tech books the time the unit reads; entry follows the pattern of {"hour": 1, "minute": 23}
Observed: {"hour": 6, "minute": 24}
